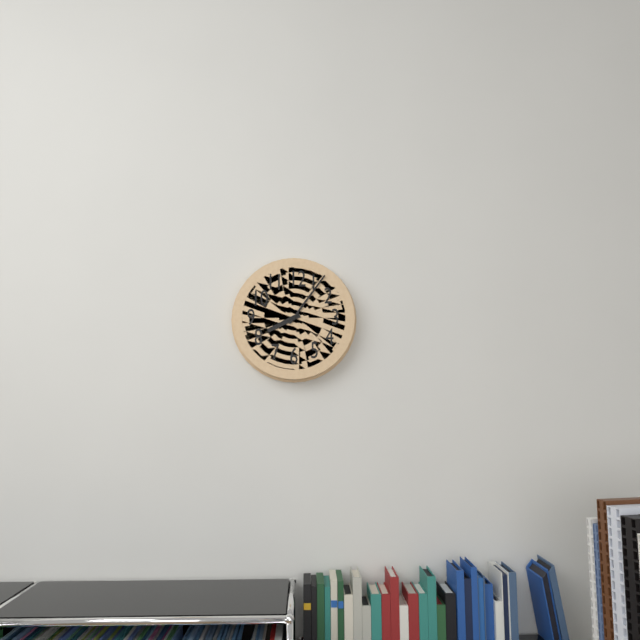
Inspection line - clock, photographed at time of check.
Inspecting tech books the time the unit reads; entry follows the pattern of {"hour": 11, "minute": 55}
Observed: {"hour": 8, "minute": 6}
